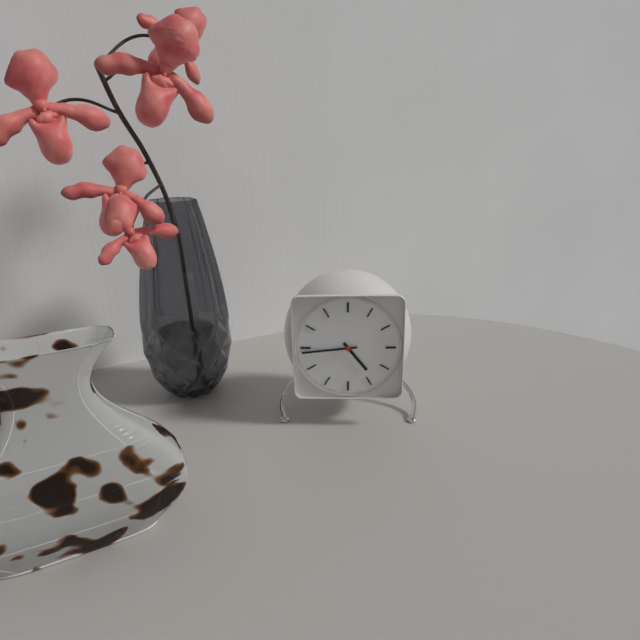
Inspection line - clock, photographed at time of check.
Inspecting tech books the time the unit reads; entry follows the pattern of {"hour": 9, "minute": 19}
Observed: {"hour": 4, "minute": 44}
